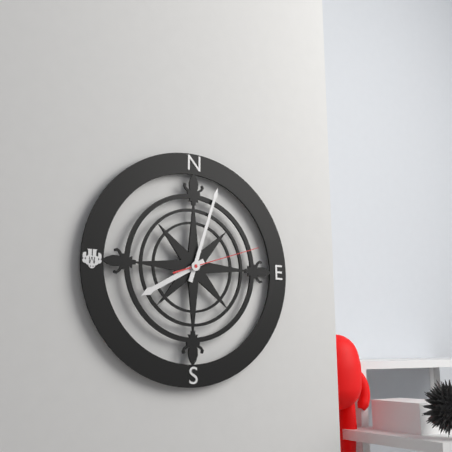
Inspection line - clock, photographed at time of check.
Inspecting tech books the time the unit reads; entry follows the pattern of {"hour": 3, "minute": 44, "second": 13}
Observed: {"hour": 8, "minute": 3, "second": 12}
